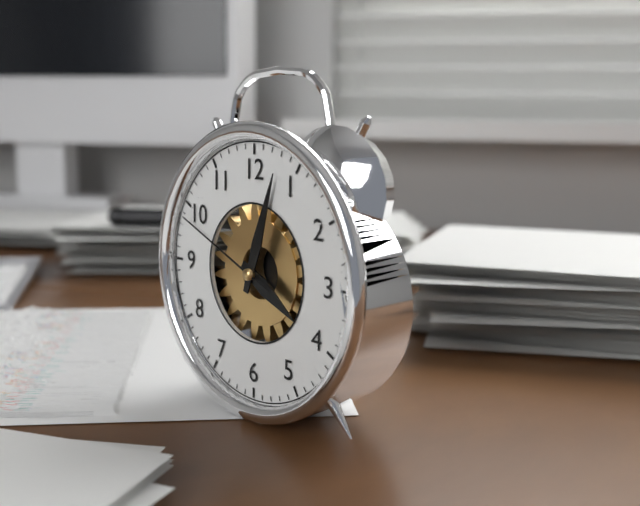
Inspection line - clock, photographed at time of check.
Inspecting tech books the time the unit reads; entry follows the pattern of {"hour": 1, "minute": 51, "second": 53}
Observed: {"hour": 4, "minute": 3, "second": 49}
